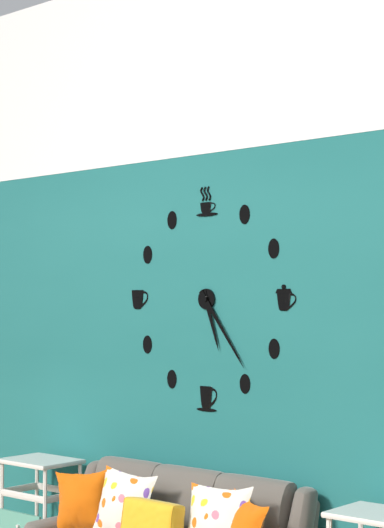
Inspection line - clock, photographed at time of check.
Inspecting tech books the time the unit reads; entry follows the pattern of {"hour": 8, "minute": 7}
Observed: {"hour": 5, "minute": 24}
